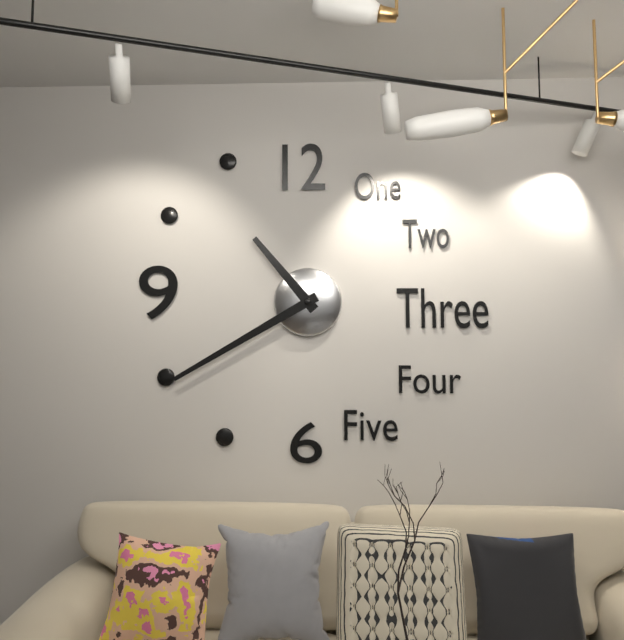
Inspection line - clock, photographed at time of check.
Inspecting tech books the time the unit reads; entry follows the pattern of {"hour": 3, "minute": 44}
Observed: {"hour": 10, "minute": 40}
